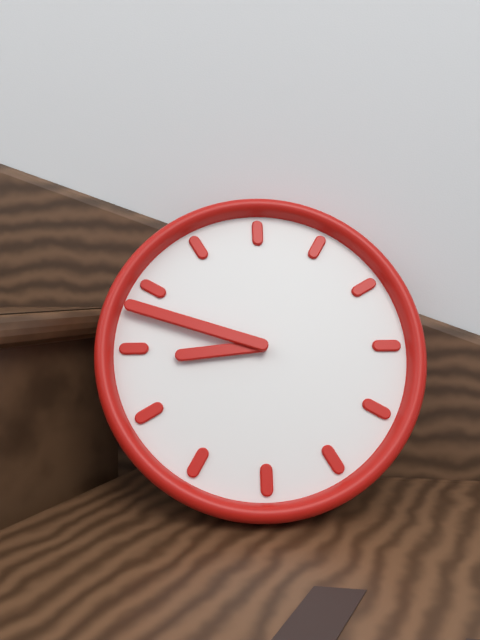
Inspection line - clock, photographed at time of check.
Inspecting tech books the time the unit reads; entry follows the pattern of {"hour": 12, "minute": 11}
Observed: {"hour": 8, "minute": 48}
